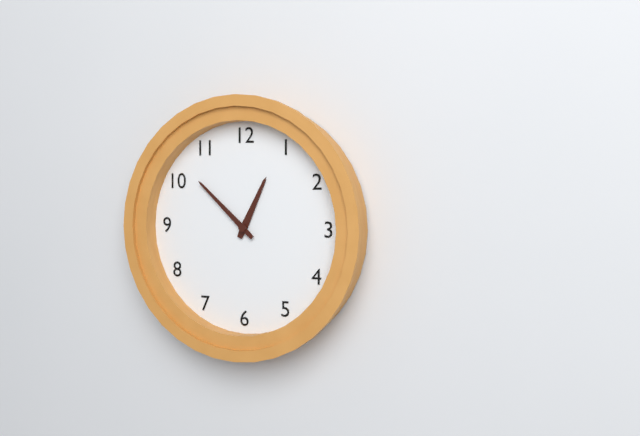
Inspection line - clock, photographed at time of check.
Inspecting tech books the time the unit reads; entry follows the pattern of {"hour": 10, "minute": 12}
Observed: {"hour": 12, "minute": 52}
